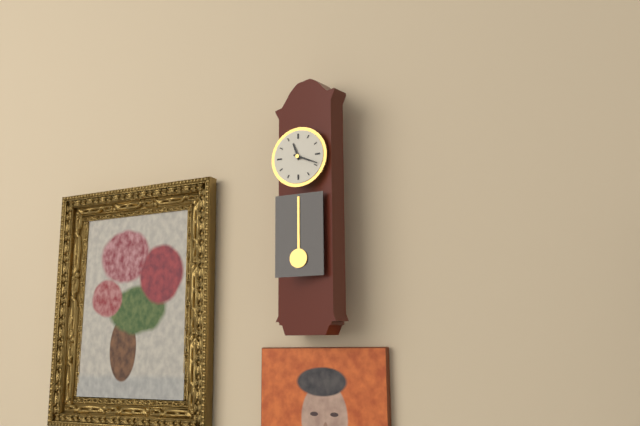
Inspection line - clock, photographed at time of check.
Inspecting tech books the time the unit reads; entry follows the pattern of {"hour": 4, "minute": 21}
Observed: {"hour": 11, "minute": 19}
